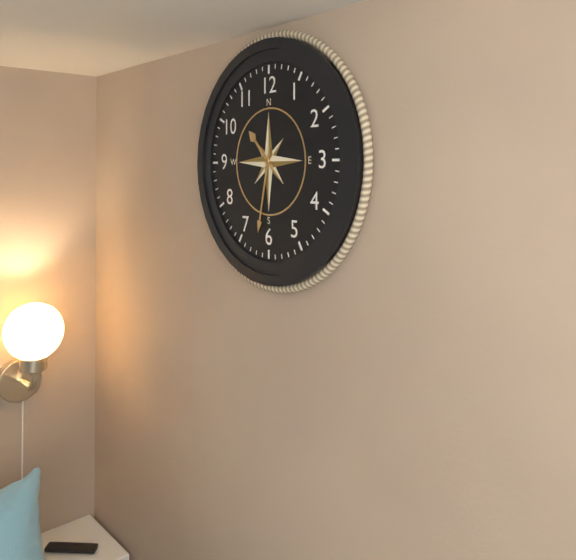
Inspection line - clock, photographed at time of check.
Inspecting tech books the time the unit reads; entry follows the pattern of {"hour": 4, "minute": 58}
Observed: {"hour": 10, "minute": 32}
